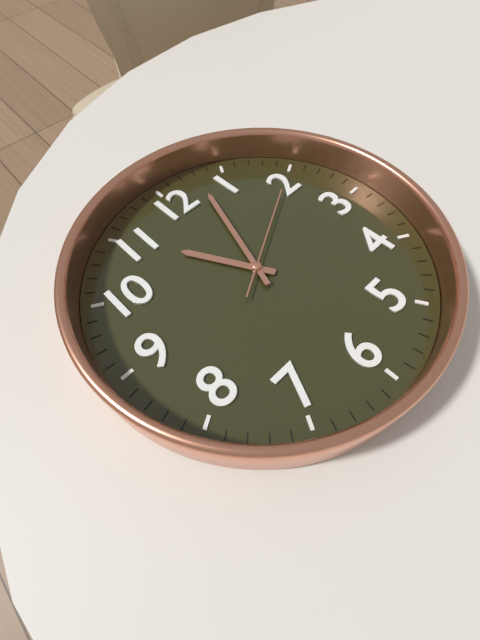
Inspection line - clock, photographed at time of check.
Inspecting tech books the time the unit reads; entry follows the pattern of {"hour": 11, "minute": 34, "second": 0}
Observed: {"hour": 11, "minute": 3, "second": 10}
